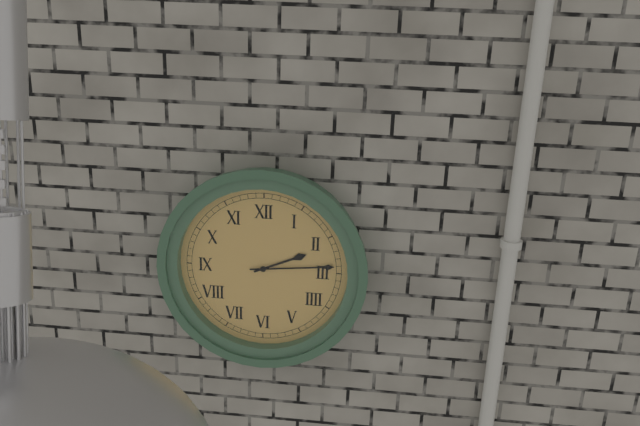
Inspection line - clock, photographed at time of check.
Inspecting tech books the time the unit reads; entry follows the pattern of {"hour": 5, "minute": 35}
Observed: {"hour": 2, "minute": 14}
